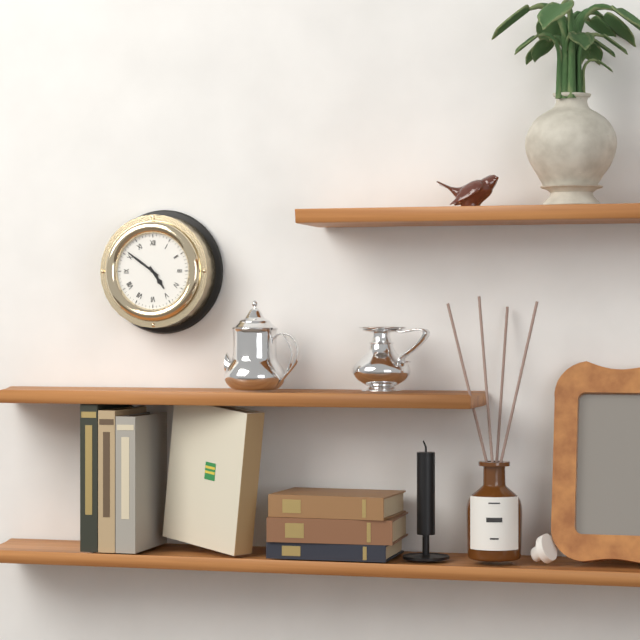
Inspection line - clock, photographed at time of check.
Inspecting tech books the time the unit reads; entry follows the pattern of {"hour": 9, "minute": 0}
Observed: {"hour": 4, "minute": 51}
